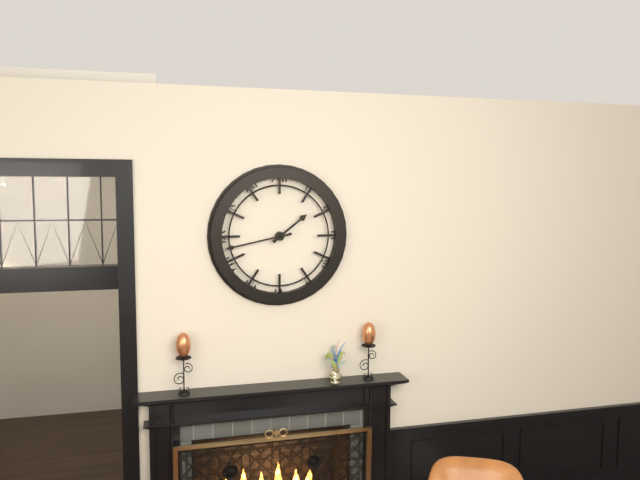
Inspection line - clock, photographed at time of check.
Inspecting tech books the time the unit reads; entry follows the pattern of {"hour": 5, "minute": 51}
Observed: {"hour": 1, "minute": 43}
